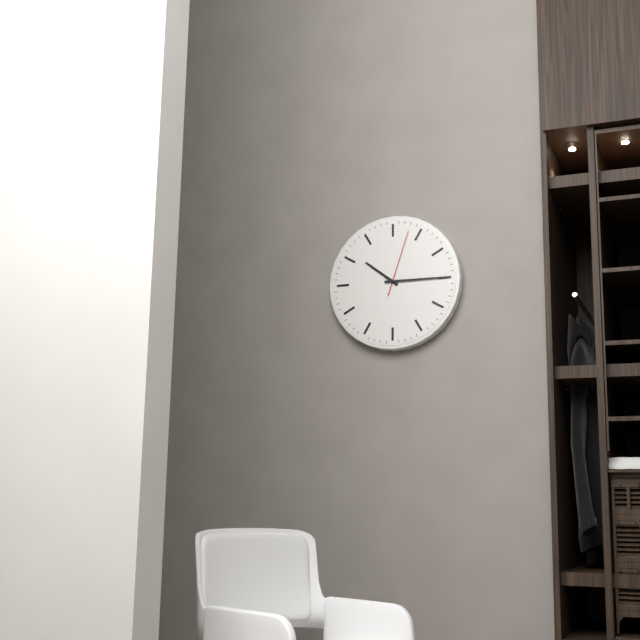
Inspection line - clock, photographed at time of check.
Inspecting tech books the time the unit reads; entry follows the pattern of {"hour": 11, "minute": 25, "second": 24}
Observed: {"hour": 10, "minute": 15, "second": 3}
